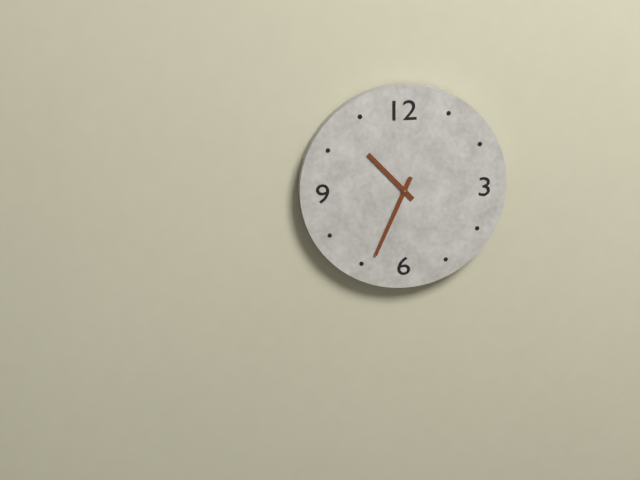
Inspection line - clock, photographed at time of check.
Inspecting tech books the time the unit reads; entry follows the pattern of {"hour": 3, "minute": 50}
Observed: {"hour": 10, "minute": 34}
